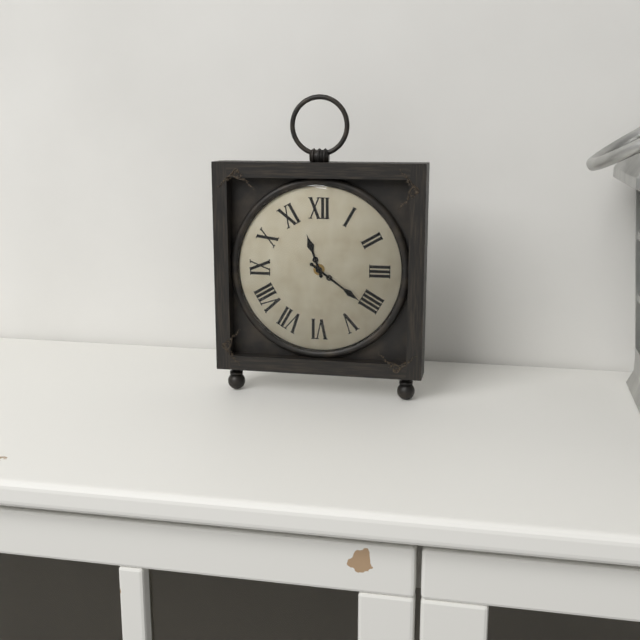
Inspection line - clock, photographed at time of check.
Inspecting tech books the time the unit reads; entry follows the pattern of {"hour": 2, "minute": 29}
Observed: {"hour": 11, "minute": 21}
